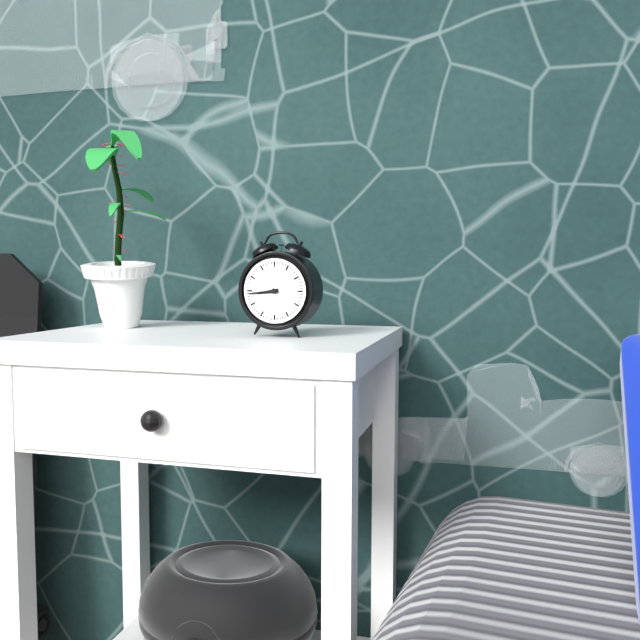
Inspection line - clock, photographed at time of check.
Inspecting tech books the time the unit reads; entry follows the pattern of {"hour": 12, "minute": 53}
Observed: {"hour": 8, "minute": 44}
